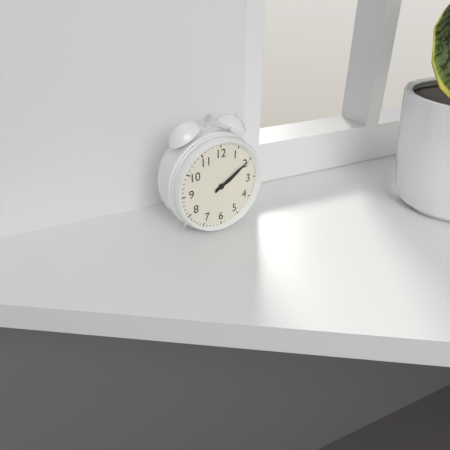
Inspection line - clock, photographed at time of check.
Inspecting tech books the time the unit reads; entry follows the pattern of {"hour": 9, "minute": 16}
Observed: {"hour": 2, "minute": 10}
